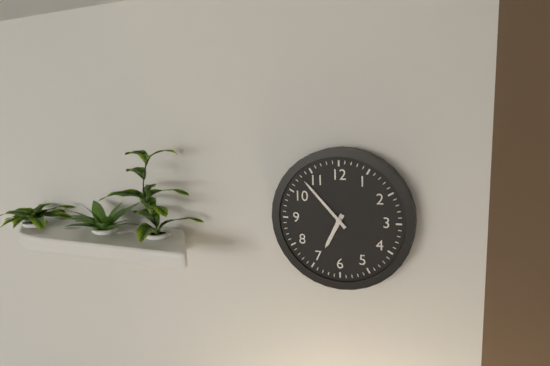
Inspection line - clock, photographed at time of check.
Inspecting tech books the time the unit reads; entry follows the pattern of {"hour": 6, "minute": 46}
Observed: {"hour": 6, "minute": 53}
